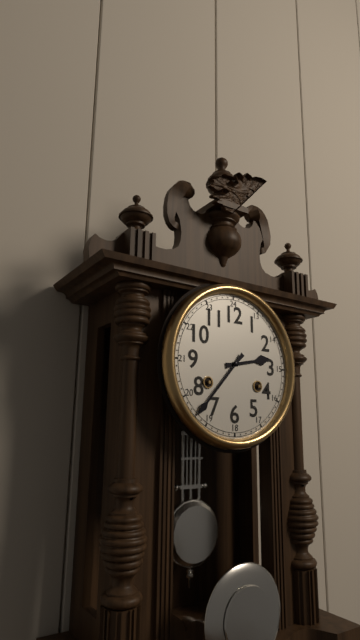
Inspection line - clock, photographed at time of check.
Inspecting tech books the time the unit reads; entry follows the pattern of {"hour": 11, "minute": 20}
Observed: {"hour": 2, "minute": 37}
